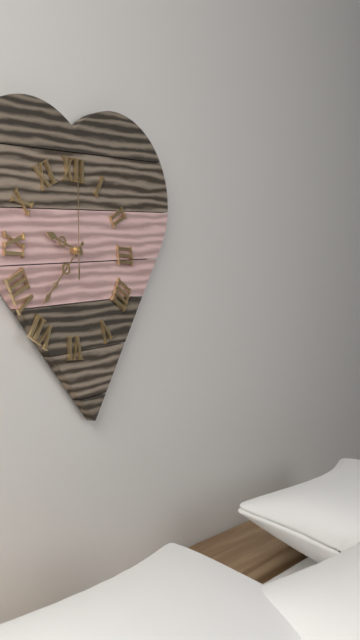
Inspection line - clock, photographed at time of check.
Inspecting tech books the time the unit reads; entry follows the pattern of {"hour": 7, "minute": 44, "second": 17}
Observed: {"hour": 9, "minute": 37, "second": 0}
